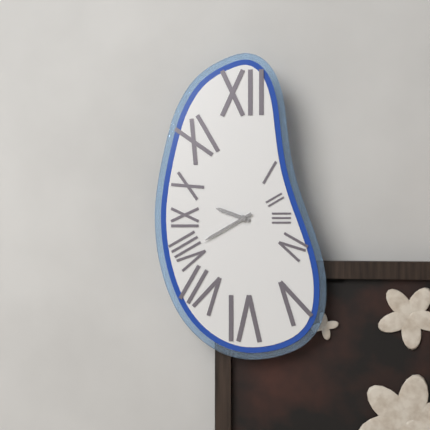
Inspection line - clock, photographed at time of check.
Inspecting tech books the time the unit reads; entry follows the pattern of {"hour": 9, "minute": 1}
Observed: {"hour": 9, "minute": 40}
